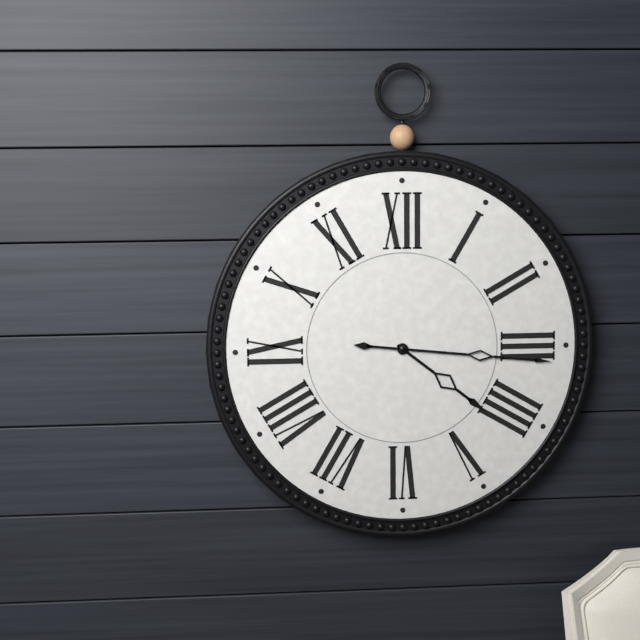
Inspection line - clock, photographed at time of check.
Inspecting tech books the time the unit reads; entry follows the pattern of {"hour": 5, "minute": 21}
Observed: {"hour": 4, "minute": 16}
